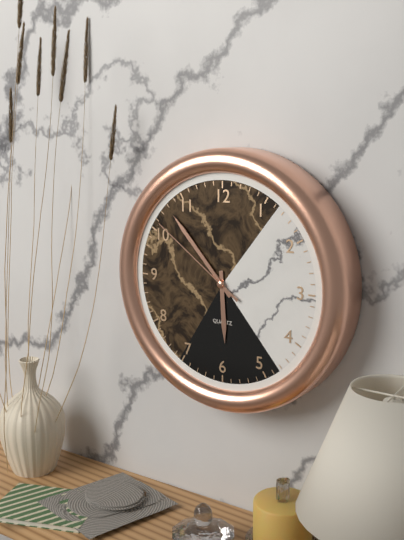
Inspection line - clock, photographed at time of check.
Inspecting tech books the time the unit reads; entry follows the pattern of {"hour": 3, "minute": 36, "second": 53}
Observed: {"hour": 5, "minute": 53, "second": 51}
